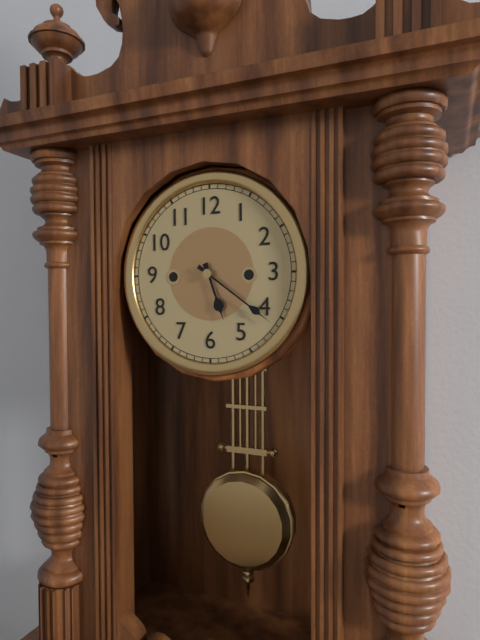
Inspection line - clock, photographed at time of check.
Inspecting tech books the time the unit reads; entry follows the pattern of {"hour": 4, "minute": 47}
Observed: {"hour": 5, "minute": 21}
